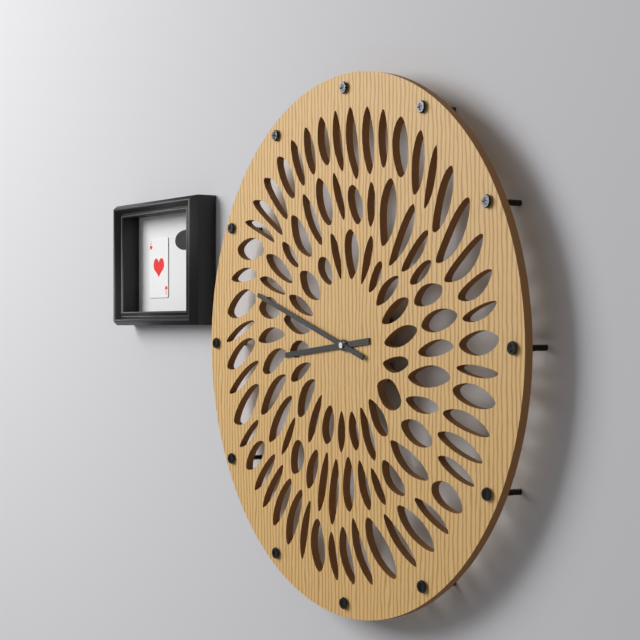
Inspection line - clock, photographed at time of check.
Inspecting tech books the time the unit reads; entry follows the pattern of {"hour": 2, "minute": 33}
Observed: {"hour": 8, "minute": 48}
